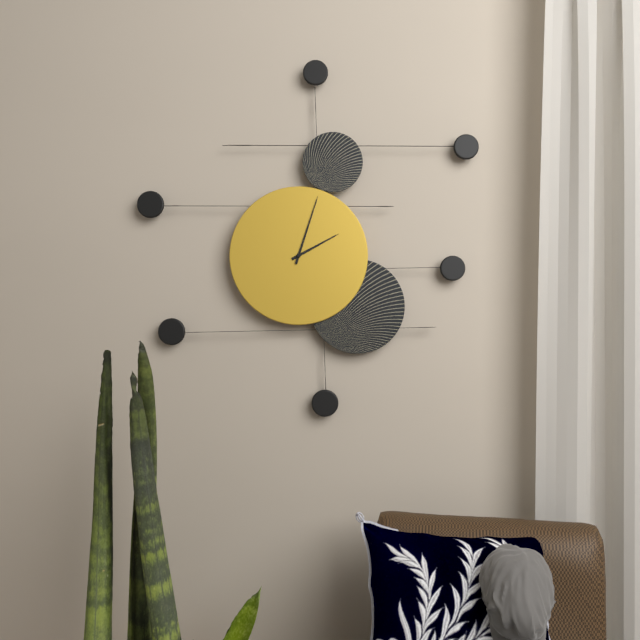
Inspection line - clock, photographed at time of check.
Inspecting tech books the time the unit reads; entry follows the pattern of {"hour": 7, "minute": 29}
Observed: {"hour": 2, "minute": 3}
